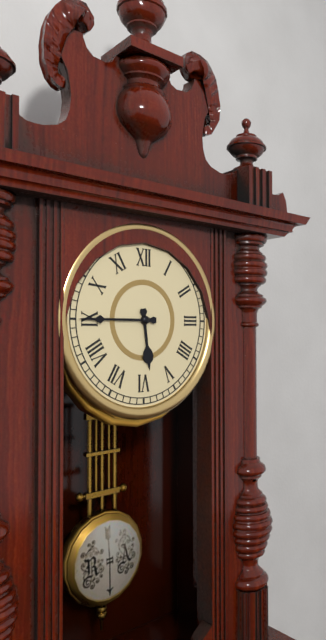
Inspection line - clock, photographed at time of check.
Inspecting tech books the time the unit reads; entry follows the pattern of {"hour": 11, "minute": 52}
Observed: {"hour": 5, "minute": 45}
